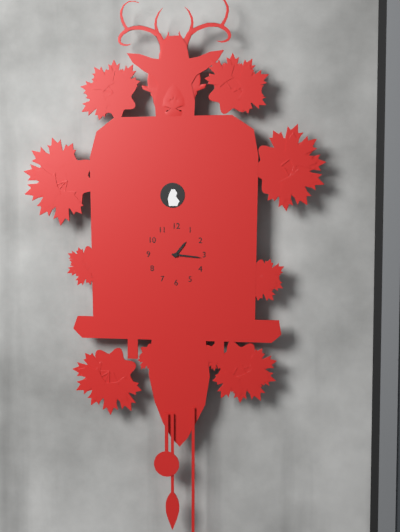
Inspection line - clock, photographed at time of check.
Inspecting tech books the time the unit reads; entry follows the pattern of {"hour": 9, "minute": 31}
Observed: {"hour": 1, "minute": 16}
